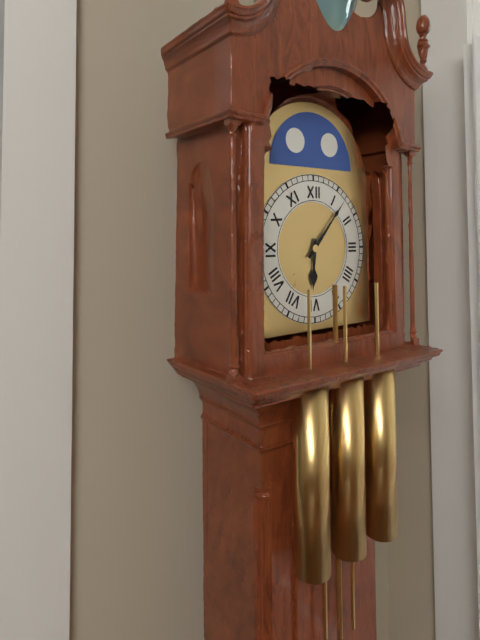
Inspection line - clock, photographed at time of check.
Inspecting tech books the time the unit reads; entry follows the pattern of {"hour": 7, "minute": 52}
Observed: {"hour": 6, "minute": 7}
